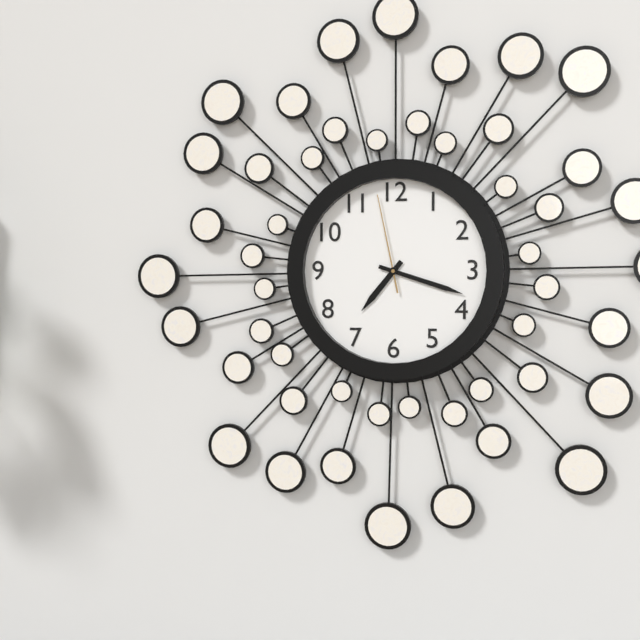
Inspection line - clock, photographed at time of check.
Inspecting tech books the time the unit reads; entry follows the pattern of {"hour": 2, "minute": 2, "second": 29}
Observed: {"hour": 7, "minute": 18, "second": 58}
